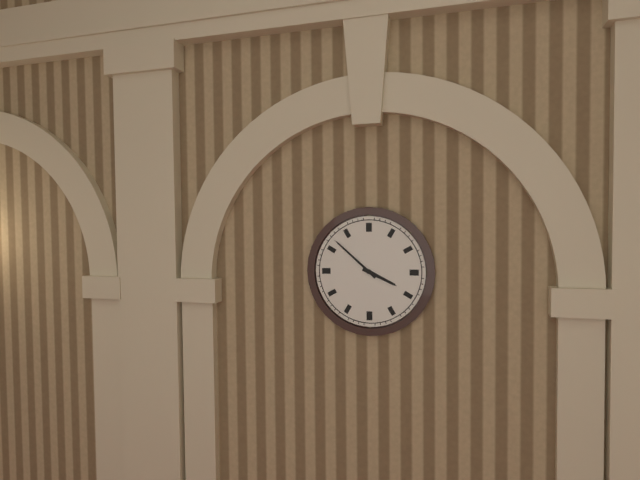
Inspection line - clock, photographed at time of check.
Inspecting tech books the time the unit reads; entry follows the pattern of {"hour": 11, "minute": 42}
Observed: {"hour": 3, "minute": 52}
